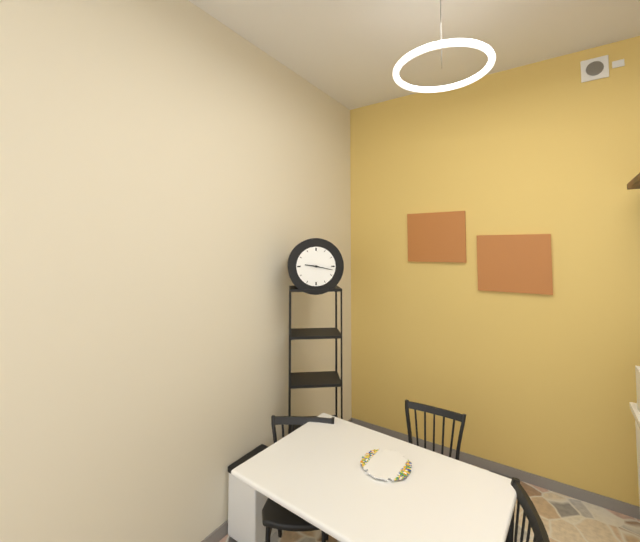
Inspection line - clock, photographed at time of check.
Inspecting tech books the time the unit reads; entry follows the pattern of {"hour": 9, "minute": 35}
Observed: {"hour": 9, "minute": 17}
